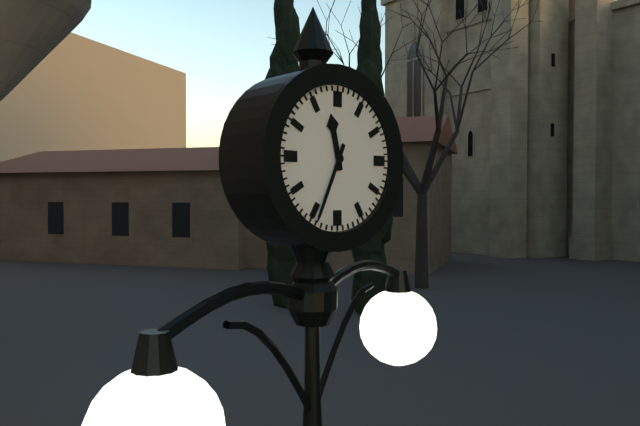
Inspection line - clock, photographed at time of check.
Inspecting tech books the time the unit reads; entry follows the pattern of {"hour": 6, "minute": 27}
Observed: {"hour": 11, "minute": 34}
